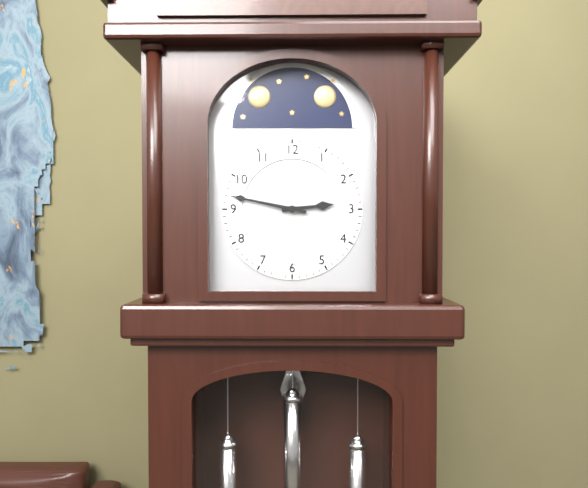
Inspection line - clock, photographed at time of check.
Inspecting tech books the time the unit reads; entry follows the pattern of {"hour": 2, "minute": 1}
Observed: {"hour": 2, "minute": 47}
